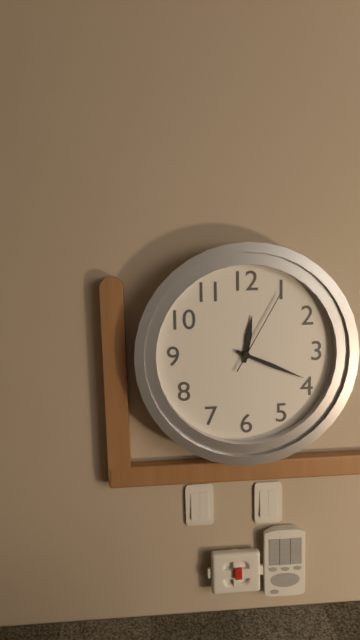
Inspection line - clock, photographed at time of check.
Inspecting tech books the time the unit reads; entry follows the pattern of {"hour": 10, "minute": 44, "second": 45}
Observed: {"hour": 12, "minute": 19, "second": 5}
